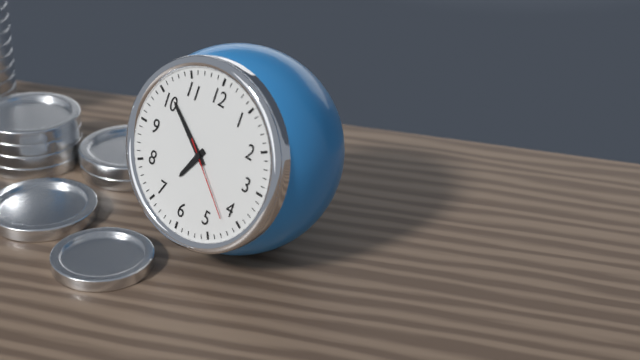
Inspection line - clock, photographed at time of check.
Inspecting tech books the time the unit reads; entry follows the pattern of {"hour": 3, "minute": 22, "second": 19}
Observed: {"hour": 6, "minute": 51, "second": 22}
